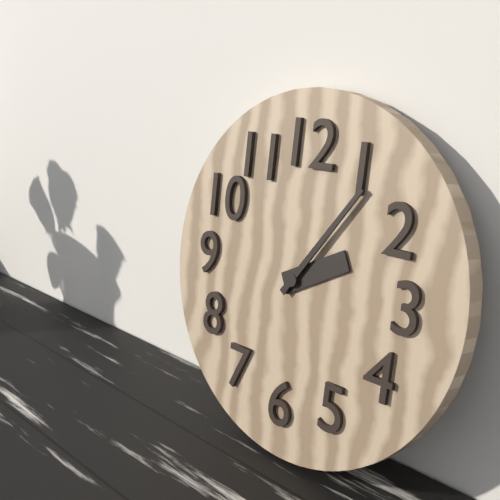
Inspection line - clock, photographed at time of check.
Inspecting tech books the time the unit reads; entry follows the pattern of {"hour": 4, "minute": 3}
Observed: {"hour": 2, "minute": 6}
